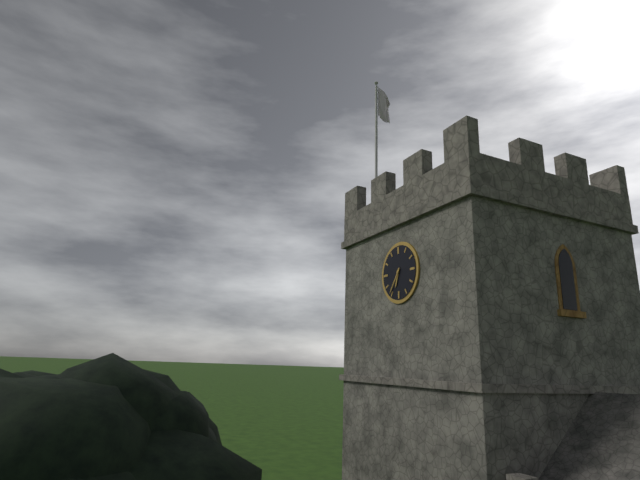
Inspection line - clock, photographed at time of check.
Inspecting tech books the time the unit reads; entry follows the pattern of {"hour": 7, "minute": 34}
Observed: {"hour": 6, "minute": 36}
